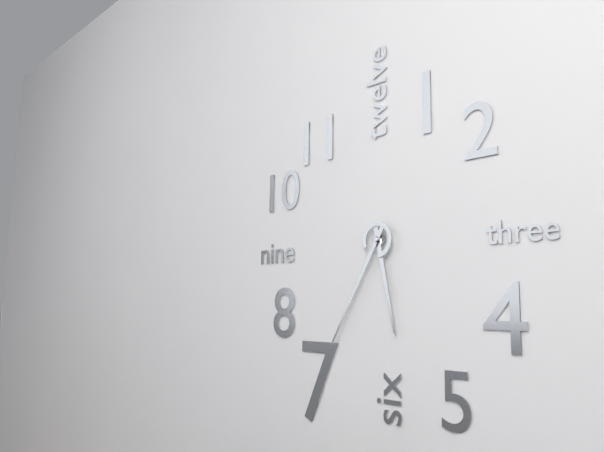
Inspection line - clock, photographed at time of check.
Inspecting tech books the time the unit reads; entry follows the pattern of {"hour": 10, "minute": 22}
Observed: {"hour": 5, "minute": 35}
